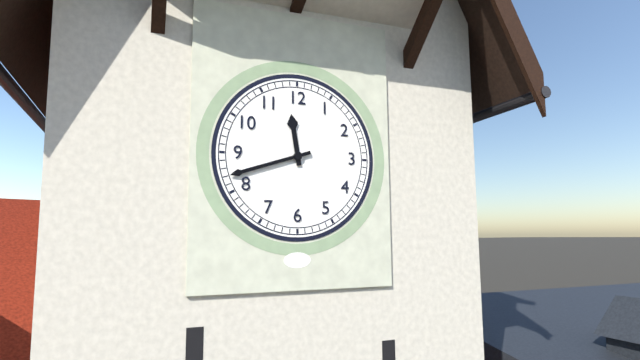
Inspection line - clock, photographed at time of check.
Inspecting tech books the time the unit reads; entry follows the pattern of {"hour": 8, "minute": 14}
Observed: {"hour": 11, "minute": 42}
